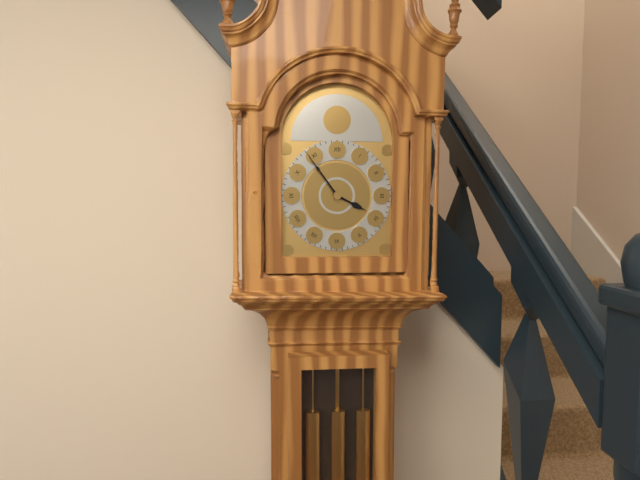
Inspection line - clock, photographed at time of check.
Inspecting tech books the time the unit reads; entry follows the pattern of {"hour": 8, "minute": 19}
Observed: {"hour": 3, "minute": 54}
